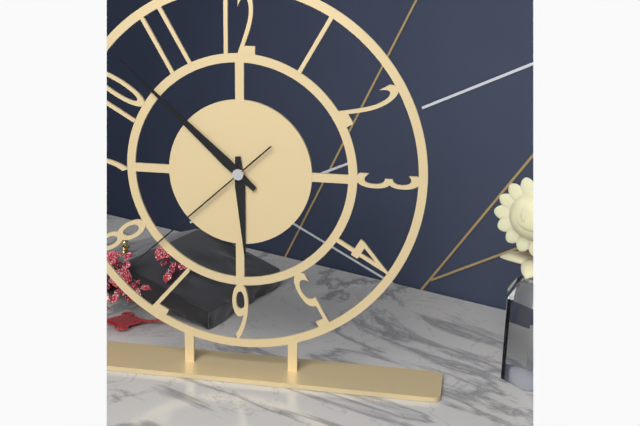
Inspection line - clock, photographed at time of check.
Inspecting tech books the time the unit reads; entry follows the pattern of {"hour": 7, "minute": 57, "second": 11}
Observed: {"hour": 5, "minute": 52, "second": 38}
